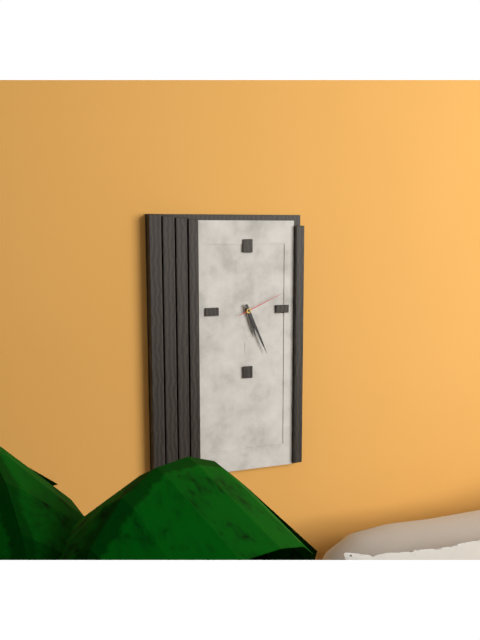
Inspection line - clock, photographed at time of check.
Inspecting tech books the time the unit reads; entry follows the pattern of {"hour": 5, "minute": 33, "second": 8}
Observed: {"hour": 5, "minute": 26, "second": 11}
